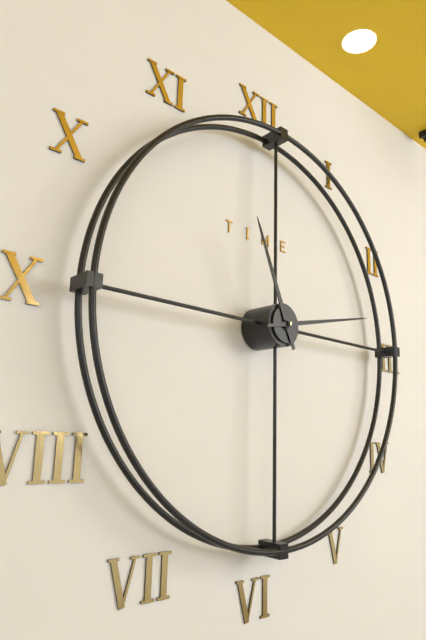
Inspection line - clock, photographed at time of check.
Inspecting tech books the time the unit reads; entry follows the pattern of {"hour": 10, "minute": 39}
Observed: {"hour": 11, "minute": 13}
